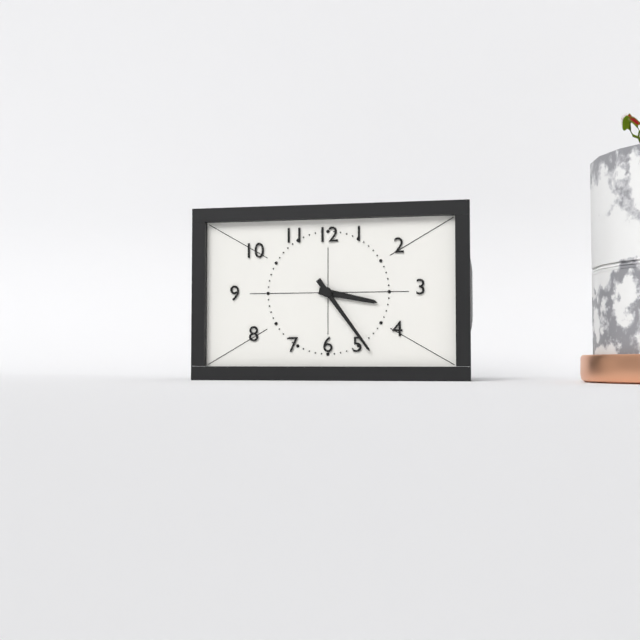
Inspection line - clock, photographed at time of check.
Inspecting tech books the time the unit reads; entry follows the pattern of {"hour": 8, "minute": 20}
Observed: {"hour": 3, "minute": 24}
